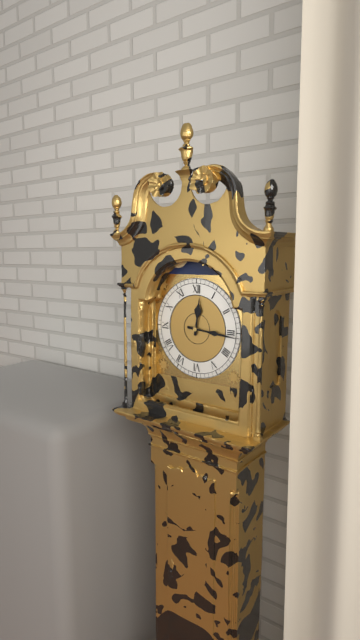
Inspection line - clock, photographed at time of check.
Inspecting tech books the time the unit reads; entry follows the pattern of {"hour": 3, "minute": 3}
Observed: {"hour": 12, "minute": 16}
